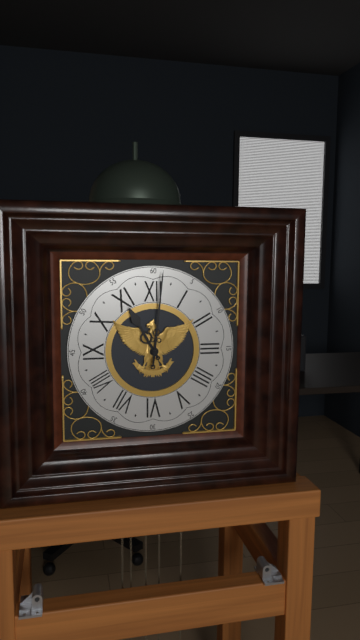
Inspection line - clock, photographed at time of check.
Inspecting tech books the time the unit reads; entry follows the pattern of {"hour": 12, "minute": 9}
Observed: {"hour": 11, "minute": 1}
